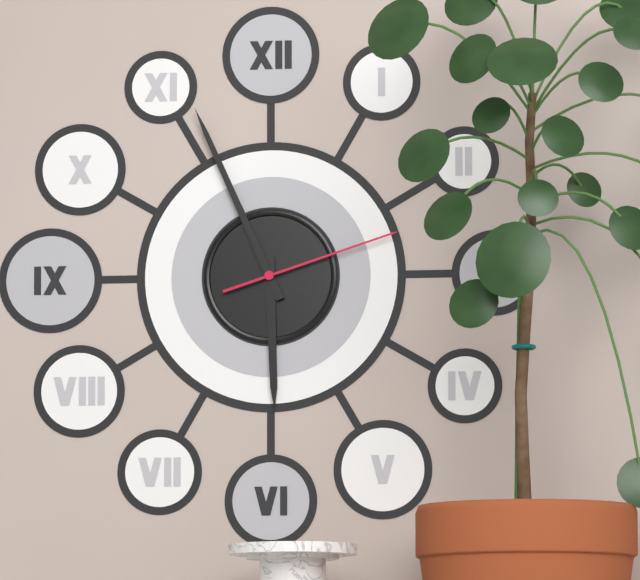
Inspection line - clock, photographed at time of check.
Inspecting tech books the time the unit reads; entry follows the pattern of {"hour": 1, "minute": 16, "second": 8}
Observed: {"hour": 5, "minute": 56, "second": 12}
